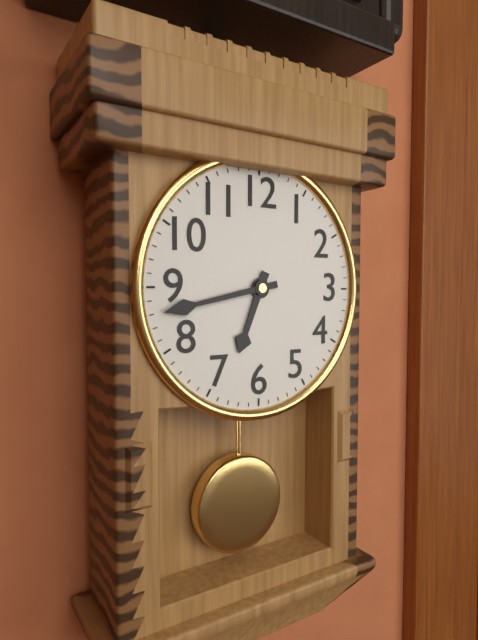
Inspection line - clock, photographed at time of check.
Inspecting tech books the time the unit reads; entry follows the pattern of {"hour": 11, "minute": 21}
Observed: {"hour": 6, "minute": 43}
